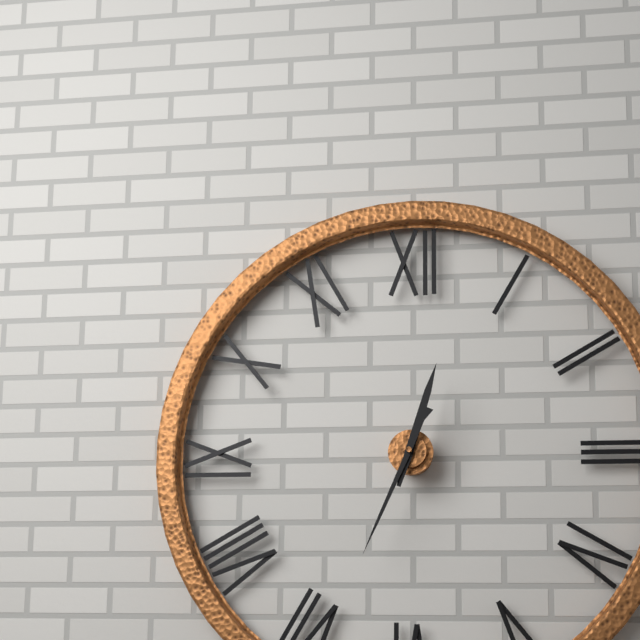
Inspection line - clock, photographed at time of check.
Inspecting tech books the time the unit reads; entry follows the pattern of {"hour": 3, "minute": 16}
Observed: {"hour": 12, "minute": 34}
